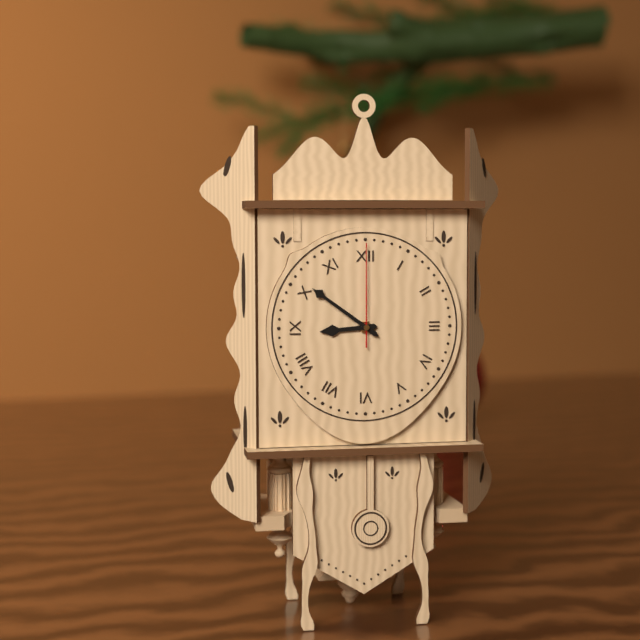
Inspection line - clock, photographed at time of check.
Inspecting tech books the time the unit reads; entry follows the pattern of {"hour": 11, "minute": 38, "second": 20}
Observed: {"hour": 8, "minute": 51, "second": 0}
